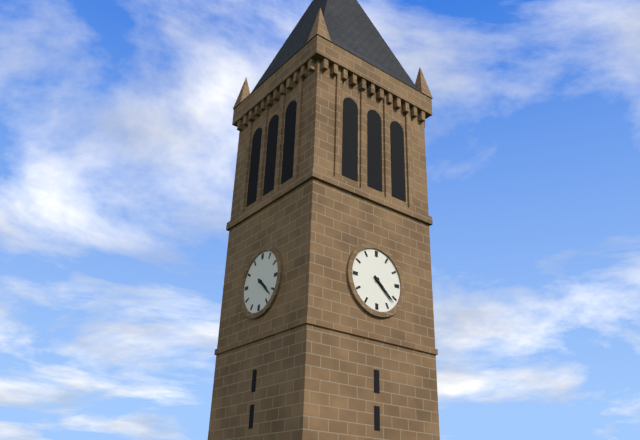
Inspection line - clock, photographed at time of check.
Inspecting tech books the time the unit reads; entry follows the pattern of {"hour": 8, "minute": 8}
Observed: {"hour": 4, "minute": 22}
